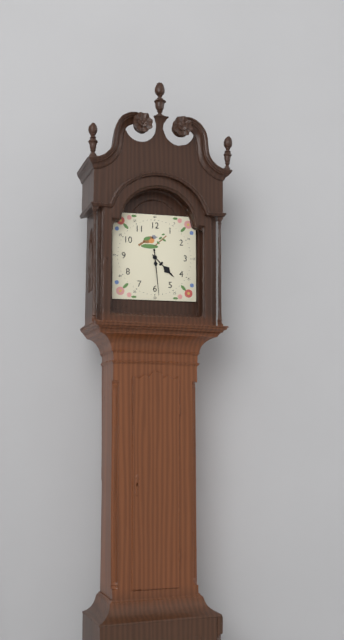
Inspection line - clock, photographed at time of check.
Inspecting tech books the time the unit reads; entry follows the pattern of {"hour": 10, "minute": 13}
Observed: {"hour": 4, "minute": 29}
